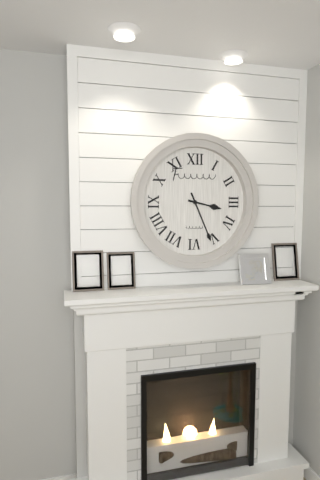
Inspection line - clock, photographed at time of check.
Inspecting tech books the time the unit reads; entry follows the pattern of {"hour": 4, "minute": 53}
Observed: {"hour": 3, "minute": 26}
